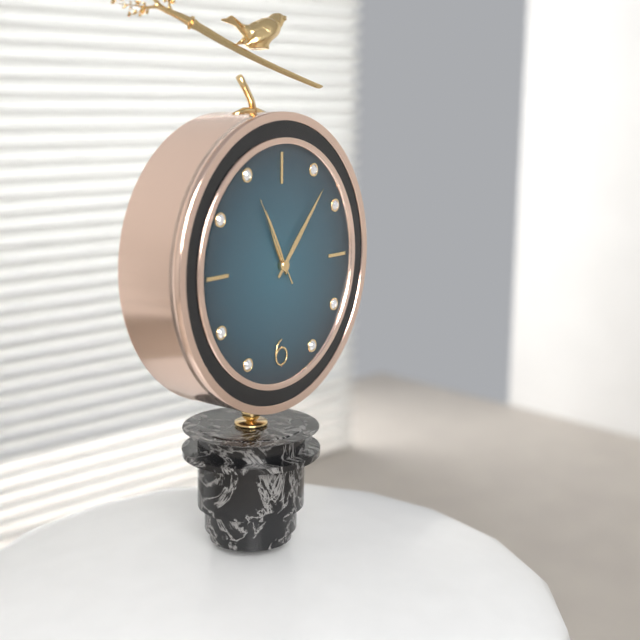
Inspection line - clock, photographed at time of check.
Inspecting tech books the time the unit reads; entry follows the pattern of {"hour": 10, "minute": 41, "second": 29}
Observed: {"hour": 11, "minute": 7, "second": 55}
